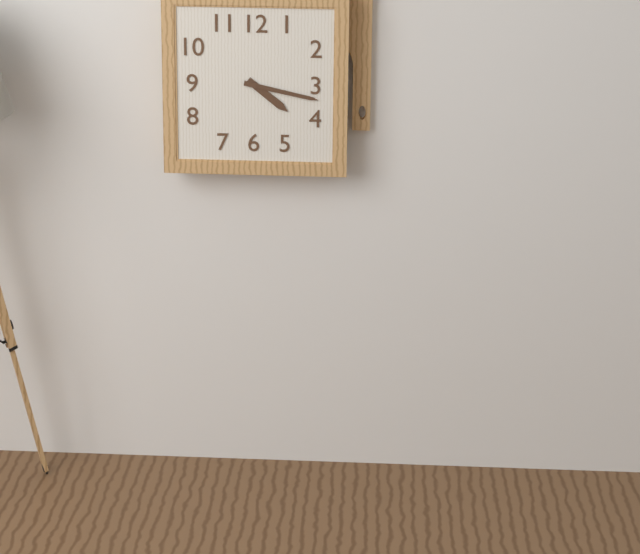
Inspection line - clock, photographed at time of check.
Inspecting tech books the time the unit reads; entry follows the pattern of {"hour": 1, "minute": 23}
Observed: {"hour": 4, "minute": 17}
